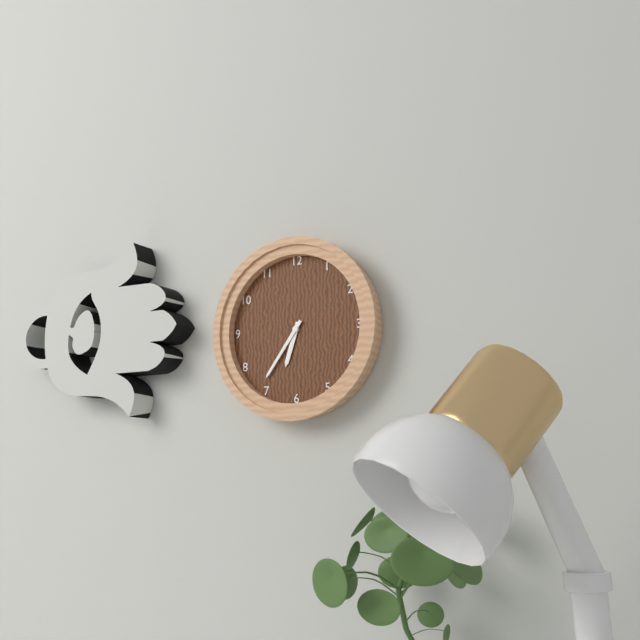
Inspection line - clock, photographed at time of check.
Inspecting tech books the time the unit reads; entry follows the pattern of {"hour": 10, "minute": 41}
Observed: {"hour": 6, "minute": 36}
